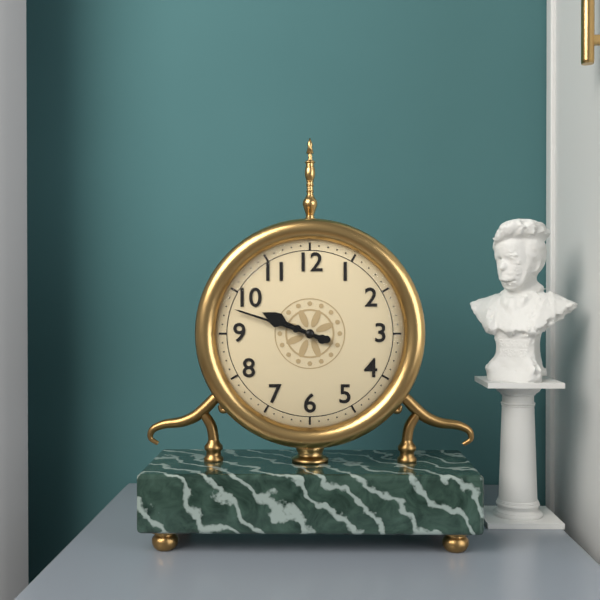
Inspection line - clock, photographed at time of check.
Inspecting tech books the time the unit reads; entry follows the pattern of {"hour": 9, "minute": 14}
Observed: {"hour": 9, "minute": 48}
